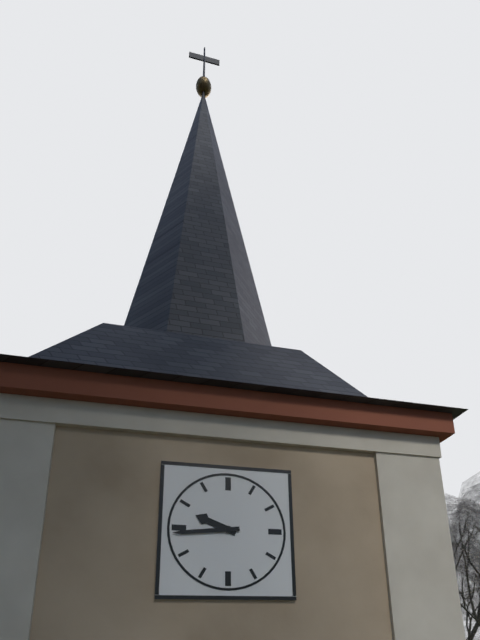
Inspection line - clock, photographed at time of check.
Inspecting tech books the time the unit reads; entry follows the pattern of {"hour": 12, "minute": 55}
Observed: {"hour": 9, "minute": 44}
